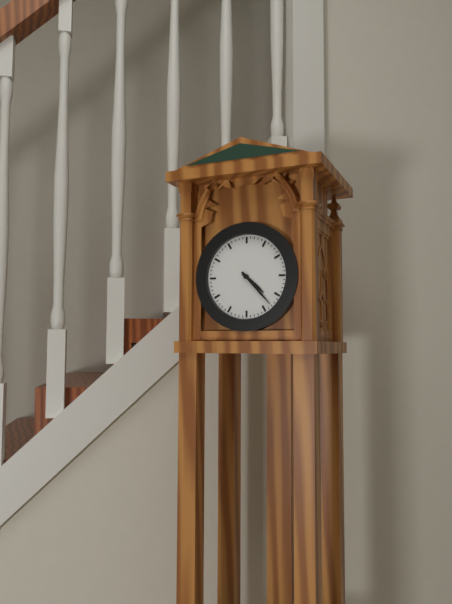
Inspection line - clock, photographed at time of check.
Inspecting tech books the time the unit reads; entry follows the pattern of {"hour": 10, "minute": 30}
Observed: {"hour": 4, "minute": 23}
